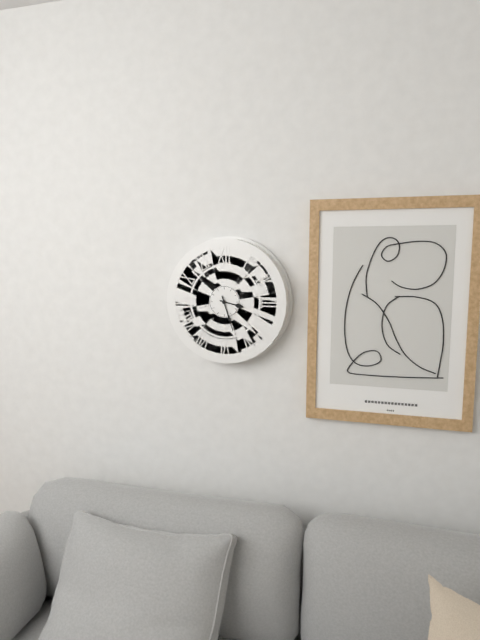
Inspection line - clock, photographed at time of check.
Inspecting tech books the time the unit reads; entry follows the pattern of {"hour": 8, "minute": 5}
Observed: {"hour": 3, "minute": 27}
